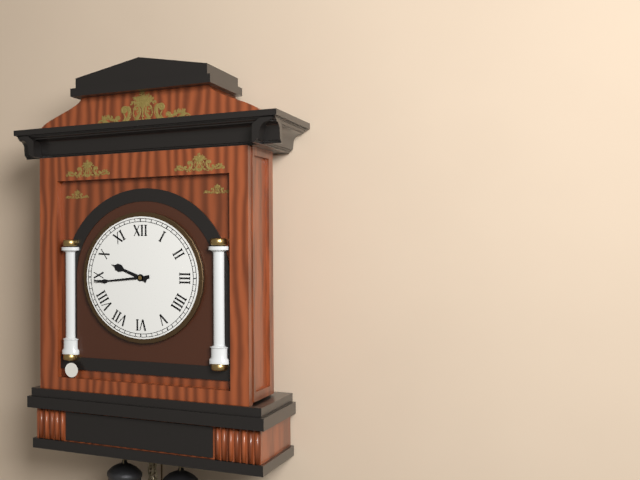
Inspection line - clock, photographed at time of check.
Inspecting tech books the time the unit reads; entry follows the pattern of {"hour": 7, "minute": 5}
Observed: {"hour": 9, "minute": 44}
